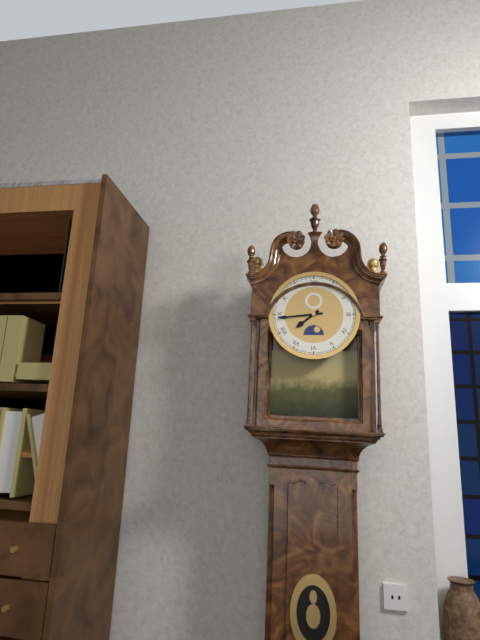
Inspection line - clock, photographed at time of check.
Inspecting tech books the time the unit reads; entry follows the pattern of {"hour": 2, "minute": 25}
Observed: {"hour": 7, "minute": 44}
